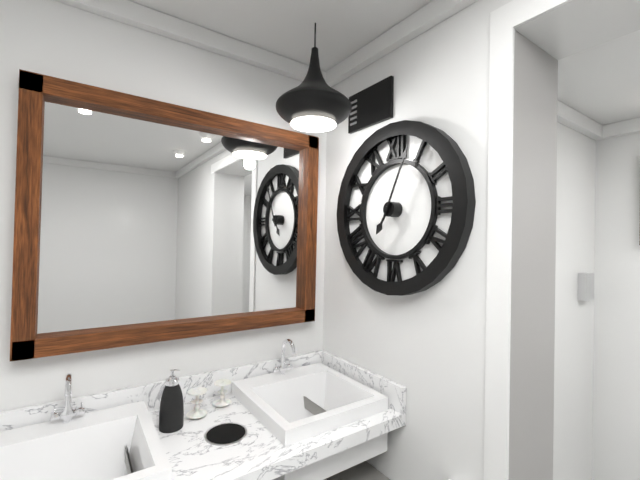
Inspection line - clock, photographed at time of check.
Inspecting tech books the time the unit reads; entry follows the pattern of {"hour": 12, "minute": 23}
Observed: {"hour": 7, "minute": 4}
